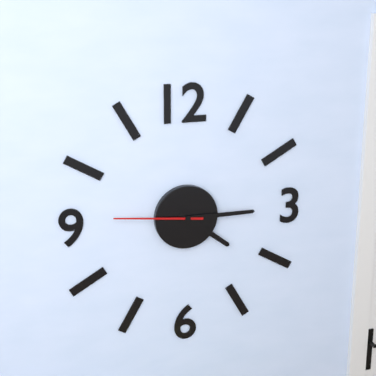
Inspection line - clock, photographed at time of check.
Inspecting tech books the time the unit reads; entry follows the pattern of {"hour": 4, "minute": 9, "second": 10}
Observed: {"hour": 4, "minute": 15, "second": 46}
